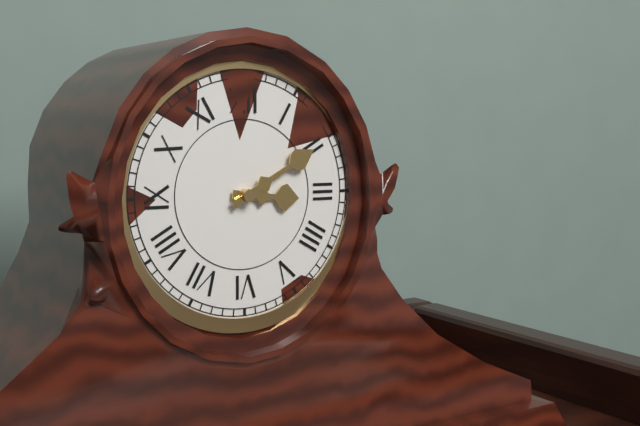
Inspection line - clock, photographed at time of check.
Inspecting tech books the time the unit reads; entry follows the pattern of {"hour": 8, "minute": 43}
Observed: {"hour": 3, "minute": 10}
